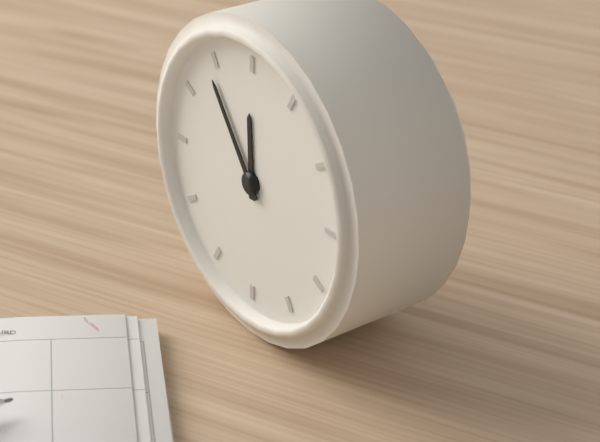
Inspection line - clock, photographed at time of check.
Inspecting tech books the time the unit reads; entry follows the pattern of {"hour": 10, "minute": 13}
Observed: {"hour": 11, "minute": 54}
